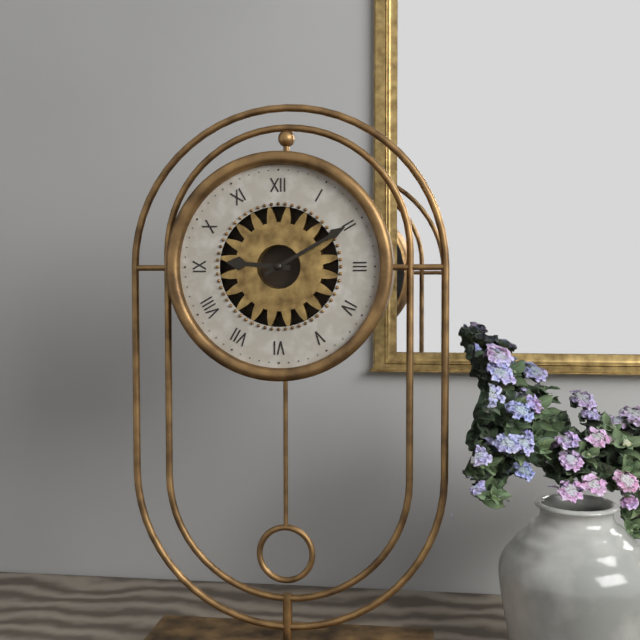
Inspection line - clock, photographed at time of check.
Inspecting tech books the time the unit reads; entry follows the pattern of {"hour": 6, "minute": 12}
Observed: {"hour": 9, "minute": 10}
